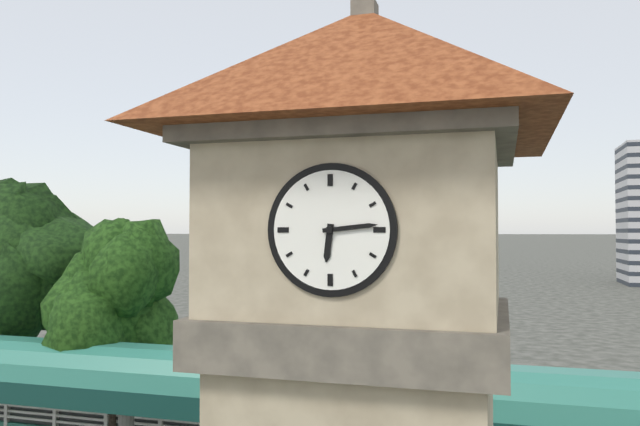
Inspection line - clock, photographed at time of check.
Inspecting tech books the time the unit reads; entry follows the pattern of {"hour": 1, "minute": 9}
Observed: {"hour": 6, "minute": 14}
